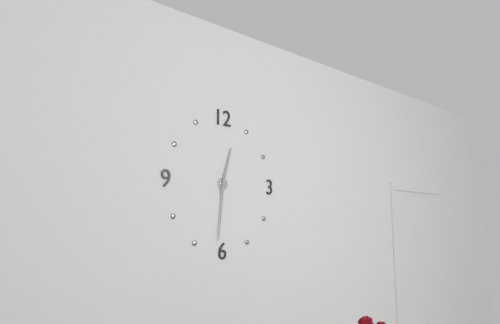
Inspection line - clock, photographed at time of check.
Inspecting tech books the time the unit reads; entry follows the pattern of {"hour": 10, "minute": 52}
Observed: {"hour": 12, "minute": 31}
